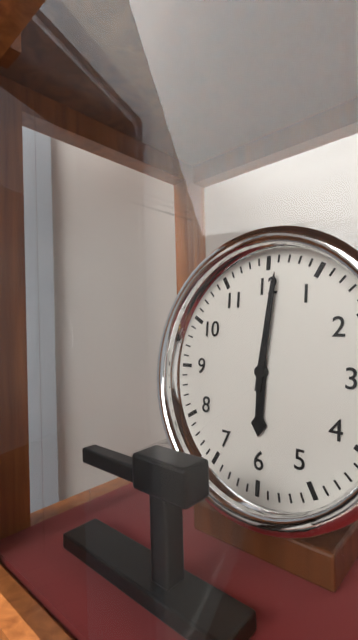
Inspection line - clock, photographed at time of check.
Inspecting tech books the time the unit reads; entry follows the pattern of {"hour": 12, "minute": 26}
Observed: {"hour": 6, "minute": 1}
